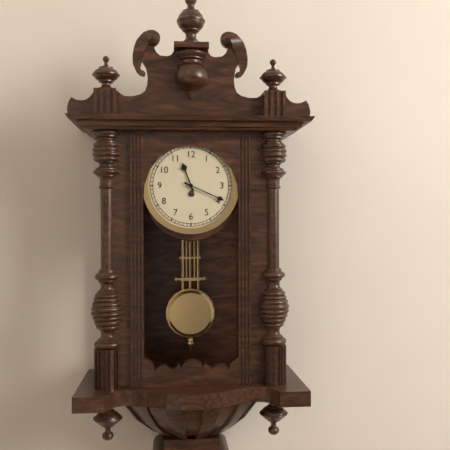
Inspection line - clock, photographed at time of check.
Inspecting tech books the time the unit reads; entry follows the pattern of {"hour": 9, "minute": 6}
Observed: {"hour": 11, "minute": 19}
